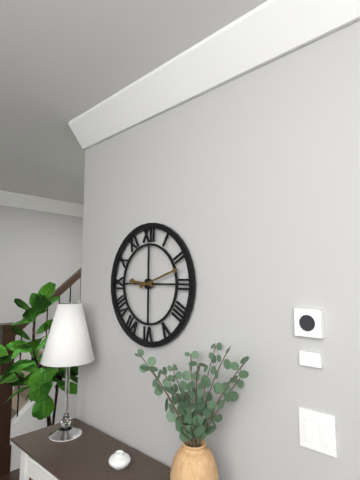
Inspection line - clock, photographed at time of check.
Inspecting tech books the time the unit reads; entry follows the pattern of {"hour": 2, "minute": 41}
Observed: {"hour": 9, "minute": 12}
